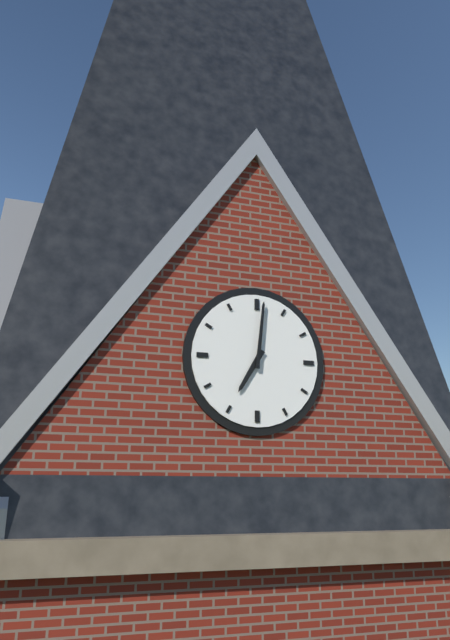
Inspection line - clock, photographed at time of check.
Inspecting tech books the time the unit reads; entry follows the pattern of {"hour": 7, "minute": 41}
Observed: {"hour": 7, "minute": 1}
